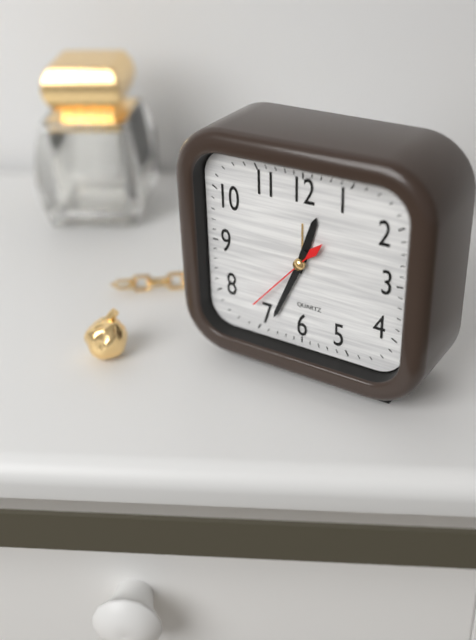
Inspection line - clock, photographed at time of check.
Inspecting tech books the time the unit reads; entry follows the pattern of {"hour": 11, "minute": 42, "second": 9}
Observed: {"hour": 12, "minute": 34, "second": 37}
